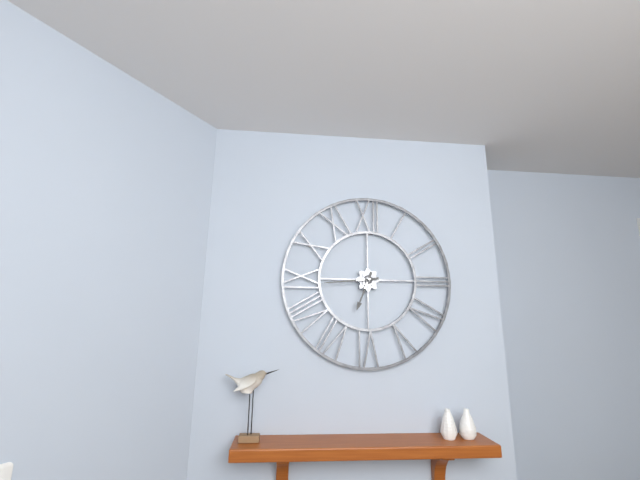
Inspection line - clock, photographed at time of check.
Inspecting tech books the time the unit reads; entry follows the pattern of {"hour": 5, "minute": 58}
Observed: {"hour": 6, "minute": 44}
